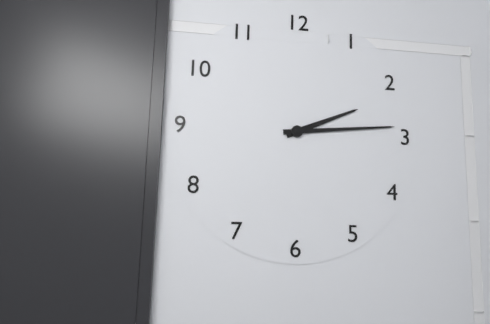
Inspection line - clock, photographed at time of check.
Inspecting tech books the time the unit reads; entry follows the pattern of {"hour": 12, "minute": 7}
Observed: {"hour": 2, "minute": 14}
